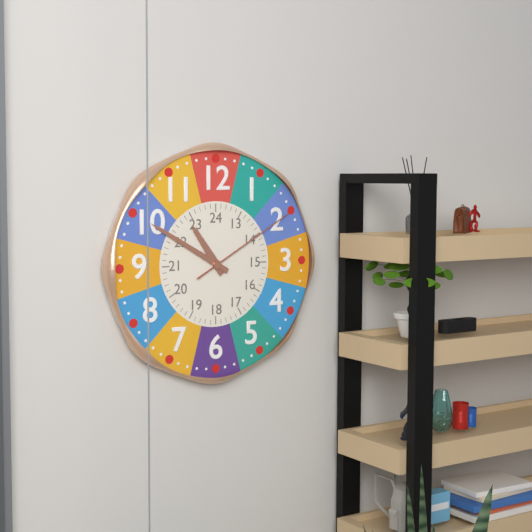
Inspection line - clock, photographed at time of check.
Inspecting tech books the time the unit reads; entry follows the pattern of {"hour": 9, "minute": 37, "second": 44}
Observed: {"hour": 10, "minute": 50, "second": 10}
